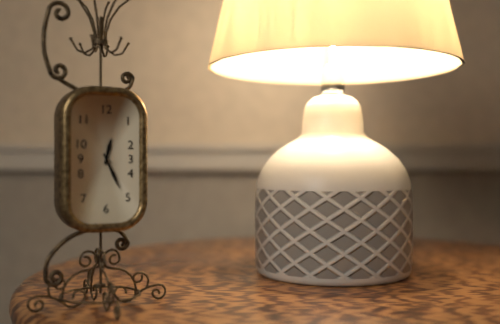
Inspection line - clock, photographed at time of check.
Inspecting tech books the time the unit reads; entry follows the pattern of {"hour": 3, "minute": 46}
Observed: {"hour": 12, "minute": 26}
